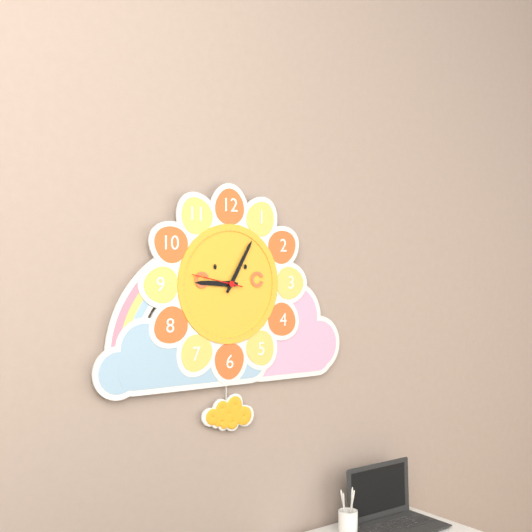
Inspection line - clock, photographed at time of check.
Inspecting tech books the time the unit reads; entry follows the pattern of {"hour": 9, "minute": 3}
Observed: {"hour": 9, "minute": 5}
